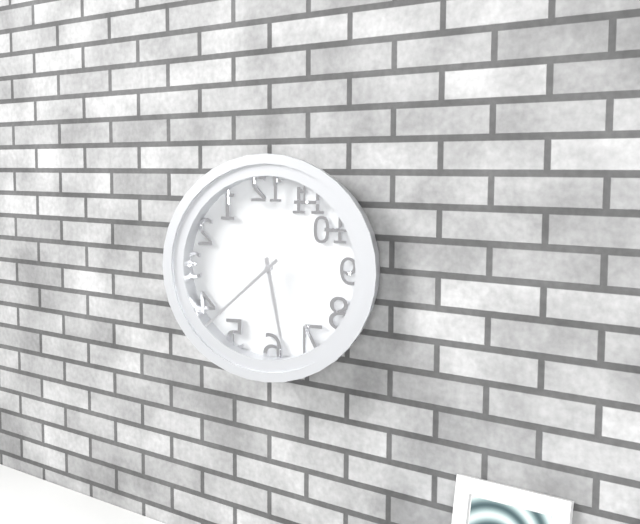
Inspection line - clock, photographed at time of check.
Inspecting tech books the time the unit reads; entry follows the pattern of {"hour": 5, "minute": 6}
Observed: {"hour": 5, "minute": 38}
